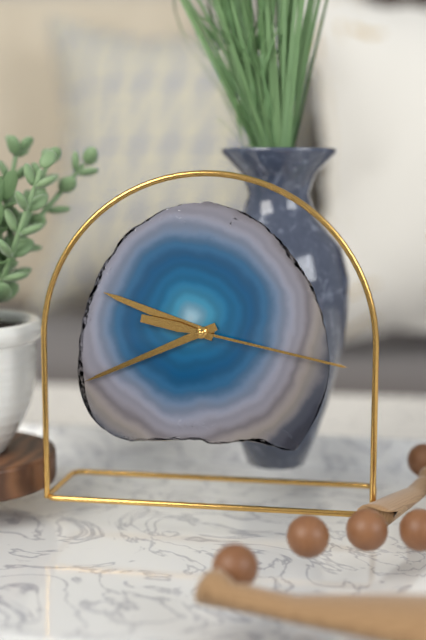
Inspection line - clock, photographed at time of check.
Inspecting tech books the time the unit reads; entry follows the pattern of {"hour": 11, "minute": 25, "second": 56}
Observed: {"hour": 9, "minute": 41, "second": 17}
